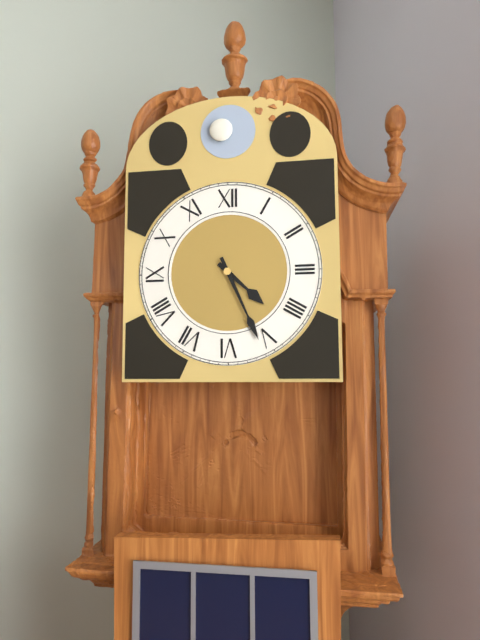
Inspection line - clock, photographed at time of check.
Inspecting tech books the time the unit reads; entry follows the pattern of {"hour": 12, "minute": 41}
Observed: {"hour": 4, "minute": 26}
